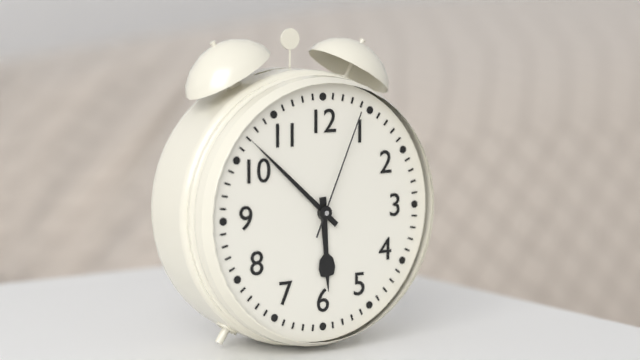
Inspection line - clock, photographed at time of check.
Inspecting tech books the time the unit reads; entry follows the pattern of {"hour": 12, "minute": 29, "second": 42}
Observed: {"hour": 5, "minute": 52, "second": 4}
